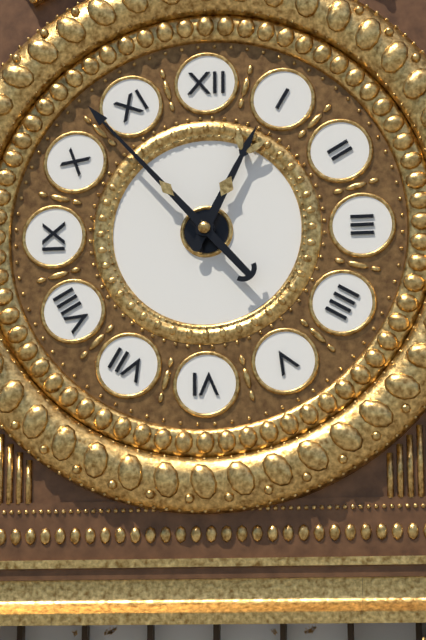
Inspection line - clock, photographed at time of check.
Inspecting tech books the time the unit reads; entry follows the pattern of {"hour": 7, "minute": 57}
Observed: {"hour": 12, "minute": 53}
